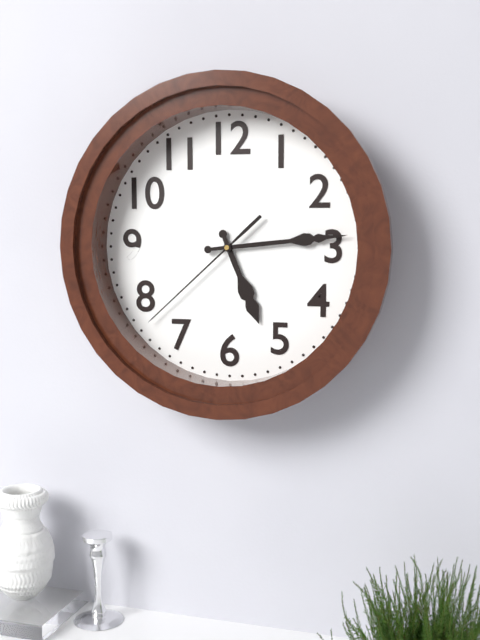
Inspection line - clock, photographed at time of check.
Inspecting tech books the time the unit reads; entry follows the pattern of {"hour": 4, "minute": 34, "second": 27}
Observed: {"hour": 5, "minute": 14, "second": 38}
